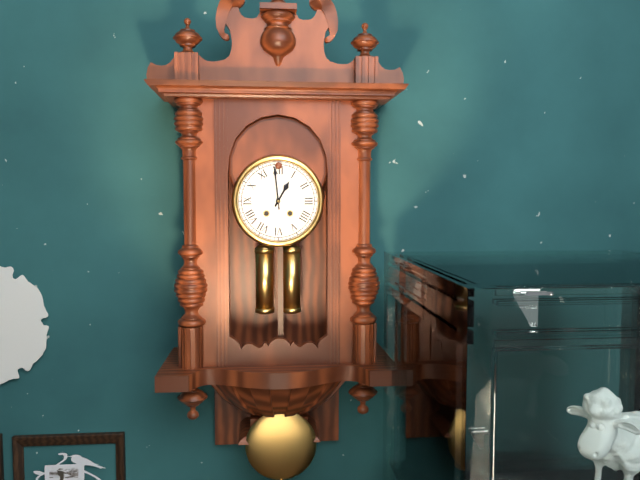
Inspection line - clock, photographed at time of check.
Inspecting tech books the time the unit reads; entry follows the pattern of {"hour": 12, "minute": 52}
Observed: {"hour": 12, "minute": 59}
